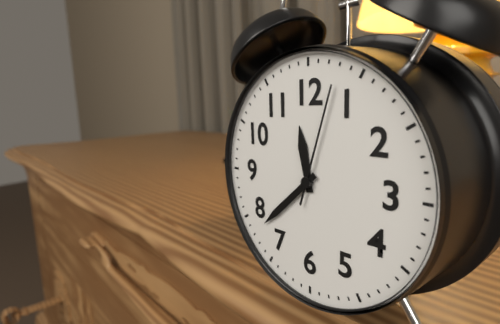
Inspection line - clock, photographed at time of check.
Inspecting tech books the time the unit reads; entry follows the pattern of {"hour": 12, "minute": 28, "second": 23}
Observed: {"hour": 11, "minute": 38, "second": 3}
